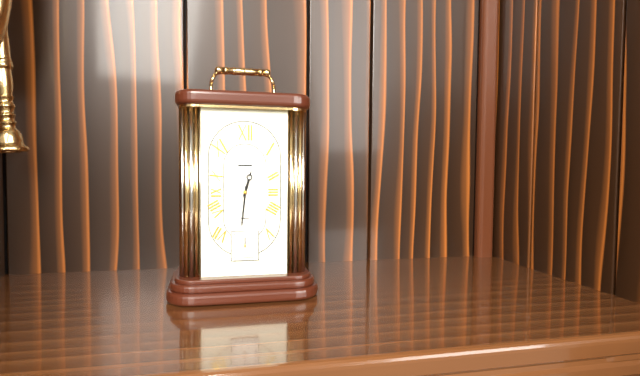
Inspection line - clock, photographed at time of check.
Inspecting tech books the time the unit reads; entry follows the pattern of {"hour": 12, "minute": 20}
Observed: {"hour": 12, "minute": 31}
